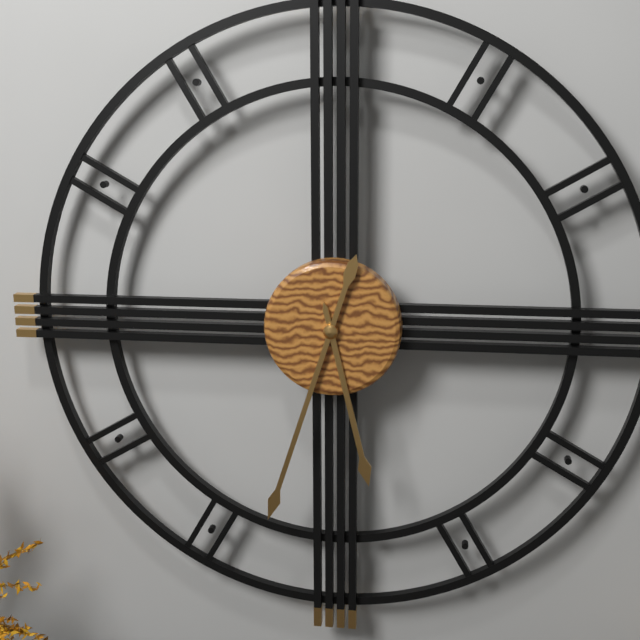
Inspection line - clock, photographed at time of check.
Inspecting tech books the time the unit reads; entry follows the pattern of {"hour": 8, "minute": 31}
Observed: {"hour": 5, "minute": 33}
